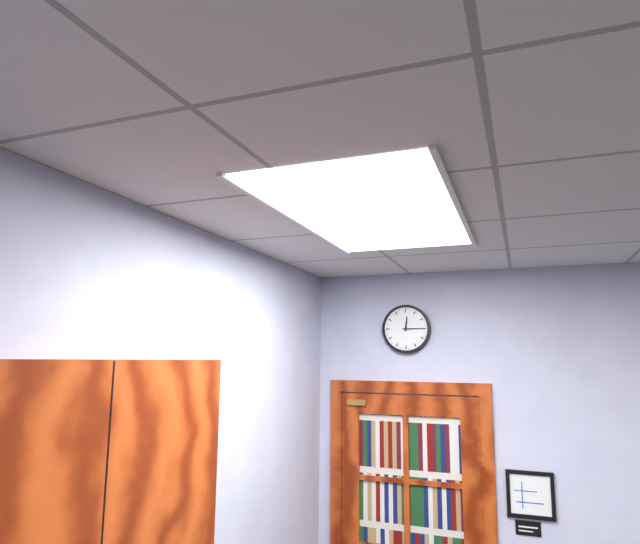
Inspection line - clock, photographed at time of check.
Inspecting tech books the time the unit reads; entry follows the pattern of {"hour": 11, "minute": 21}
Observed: {"hour": 12, "minute": 15}
